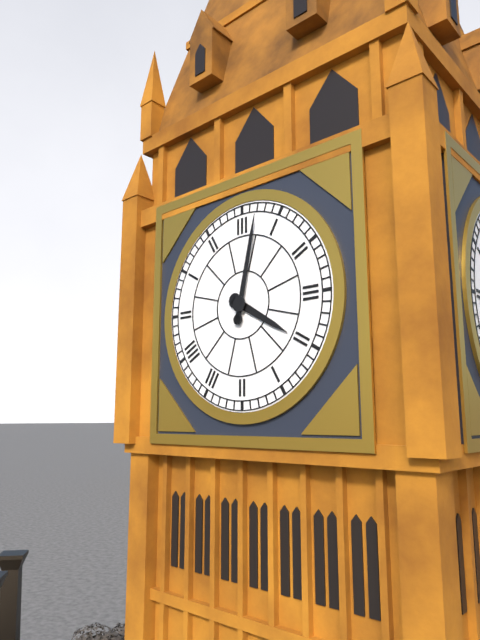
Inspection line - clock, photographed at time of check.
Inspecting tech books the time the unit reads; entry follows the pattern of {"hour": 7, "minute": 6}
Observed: {"hour": 4, "minute": 2}
